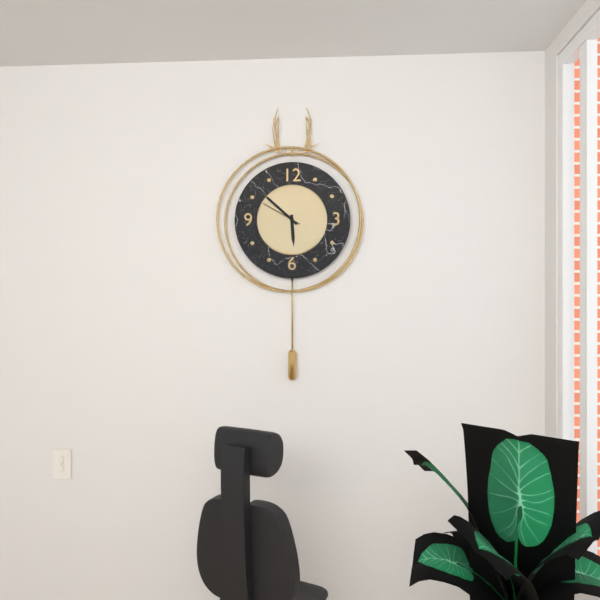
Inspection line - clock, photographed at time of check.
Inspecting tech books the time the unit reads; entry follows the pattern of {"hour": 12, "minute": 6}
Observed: {"hour": 5, "minute": 52}
